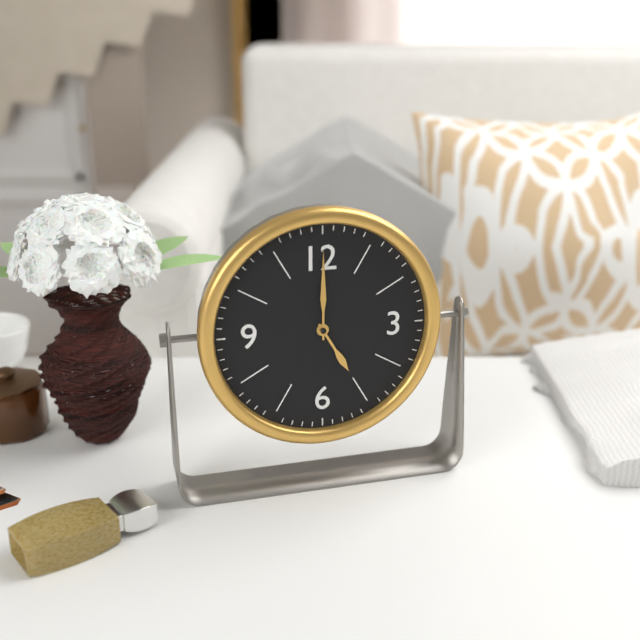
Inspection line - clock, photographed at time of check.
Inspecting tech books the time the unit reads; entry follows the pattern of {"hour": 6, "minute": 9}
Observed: {"hour": 5, "minute": 0}
